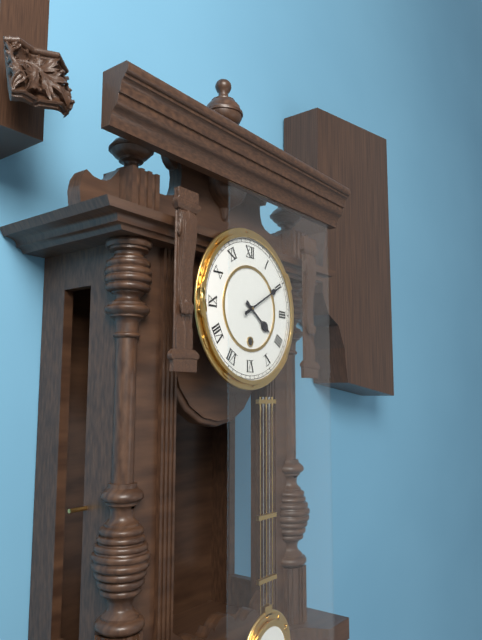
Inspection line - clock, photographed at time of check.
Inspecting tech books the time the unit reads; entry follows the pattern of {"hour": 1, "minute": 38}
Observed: {"hour": 4, "minute": 10}
